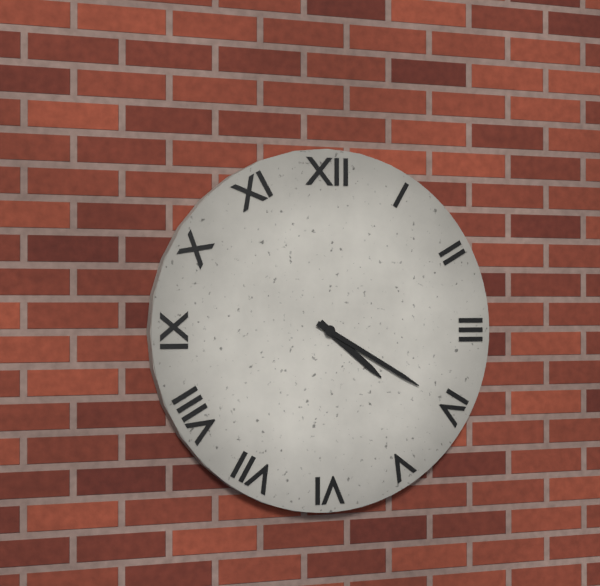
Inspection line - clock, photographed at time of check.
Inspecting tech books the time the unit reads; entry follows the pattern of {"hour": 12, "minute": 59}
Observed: {"hour": 4, "minute": 20}
